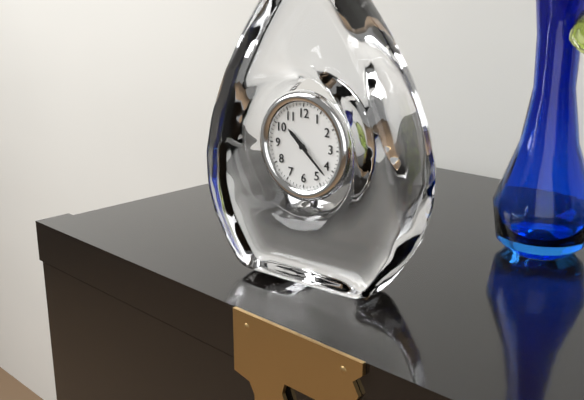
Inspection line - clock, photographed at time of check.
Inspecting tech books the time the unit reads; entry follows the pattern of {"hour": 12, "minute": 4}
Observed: {"hour": 10, "minute": 22}
